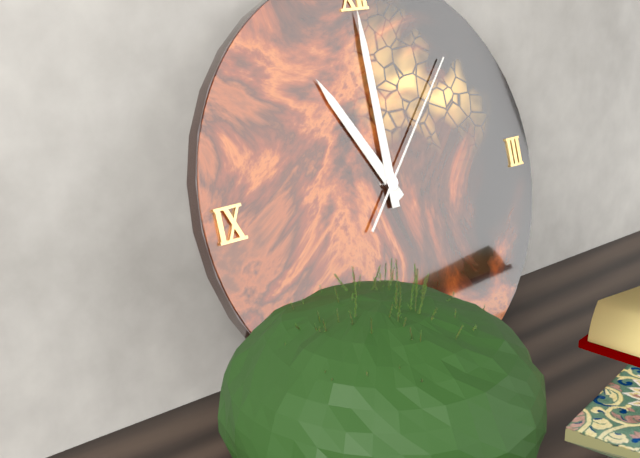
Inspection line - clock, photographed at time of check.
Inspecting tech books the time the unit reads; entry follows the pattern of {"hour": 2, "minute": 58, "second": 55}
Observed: {"hour": 11, "minute": 0, "second": 7}
